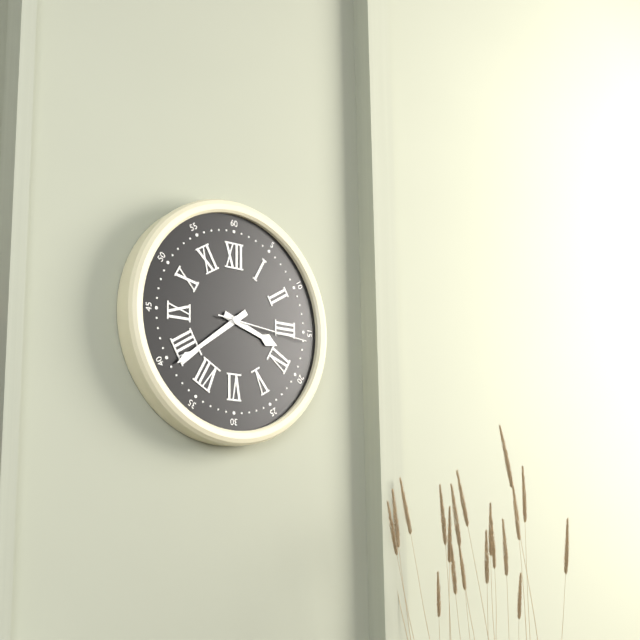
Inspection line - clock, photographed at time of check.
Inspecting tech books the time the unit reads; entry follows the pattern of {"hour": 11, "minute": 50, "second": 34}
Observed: {"hour": 3, "minute": 39, "second": 16}
